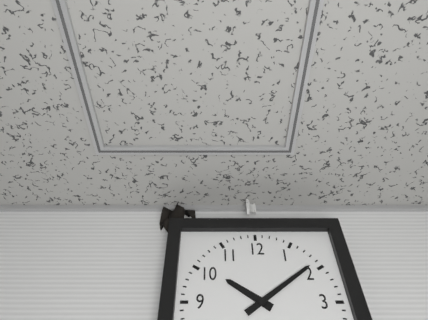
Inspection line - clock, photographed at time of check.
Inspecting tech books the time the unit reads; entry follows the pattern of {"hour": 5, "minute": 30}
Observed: {"hour": 10, "minute": 9}
